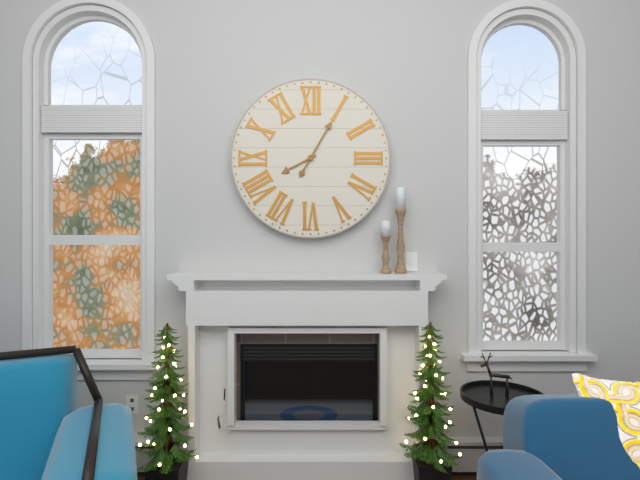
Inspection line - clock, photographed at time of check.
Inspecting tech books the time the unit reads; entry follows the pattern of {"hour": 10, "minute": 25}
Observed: {"hour": 8, "minute": 5}
